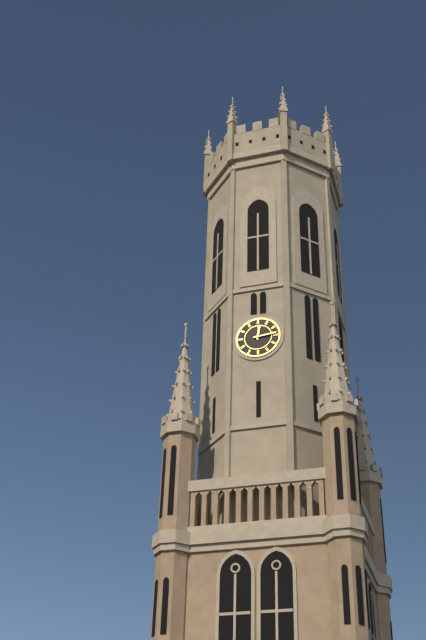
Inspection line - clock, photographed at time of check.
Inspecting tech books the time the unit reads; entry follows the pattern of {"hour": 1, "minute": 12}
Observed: {"hour": 12, "minute": 14}
